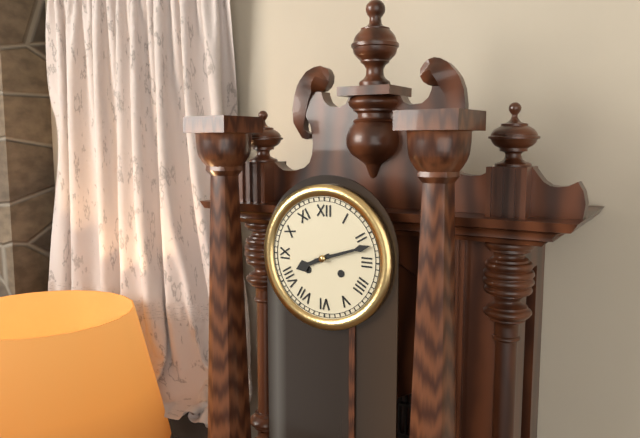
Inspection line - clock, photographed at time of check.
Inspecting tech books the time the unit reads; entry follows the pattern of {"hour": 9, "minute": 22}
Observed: {"hour": 8, "minute": 12}
